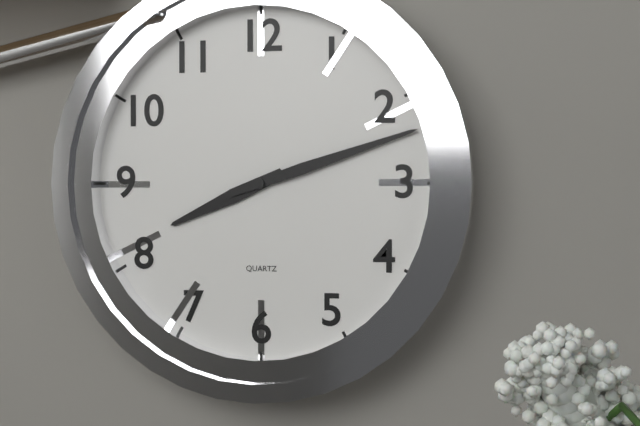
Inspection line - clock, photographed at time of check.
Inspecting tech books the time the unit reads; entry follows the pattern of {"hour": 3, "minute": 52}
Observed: {"hour": 8, "minute": 12}
